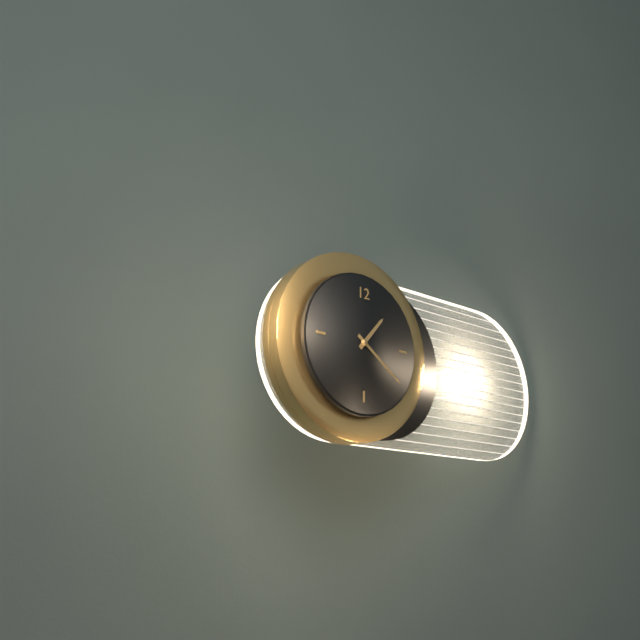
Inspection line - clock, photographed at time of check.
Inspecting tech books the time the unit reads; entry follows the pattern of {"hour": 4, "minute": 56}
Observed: {"hour": 1, "minute": 21}
